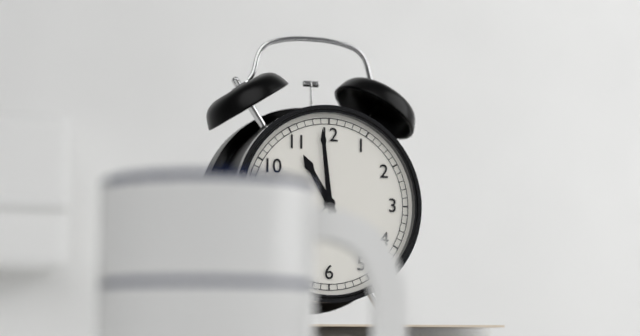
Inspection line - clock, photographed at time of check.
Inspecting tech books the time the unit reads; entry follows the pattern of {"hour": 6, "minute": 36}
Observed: {"hour": 10, "minute": 59}
